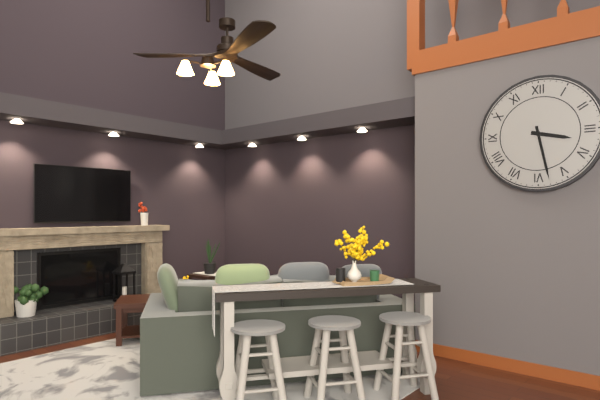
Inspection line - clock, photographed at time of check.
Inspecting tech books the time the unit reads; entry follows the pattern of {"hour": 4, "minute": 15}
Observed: {"hour": 3, "minute": 28}
